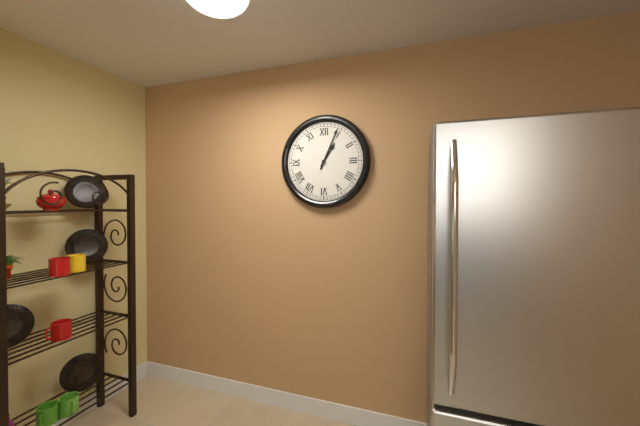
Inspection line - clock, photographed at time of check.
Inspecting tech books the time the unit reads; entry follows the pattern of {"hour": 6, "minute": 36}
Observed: {"hour": 1, "minute": 4}
